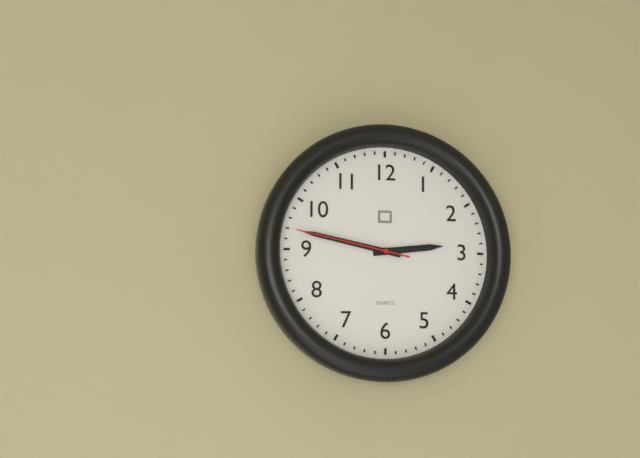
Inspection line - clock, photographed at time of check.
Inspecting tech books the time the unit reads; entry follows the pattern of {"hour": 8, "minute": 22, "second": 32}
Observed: {"hour": 2, "minute": 47, "second": 47}
